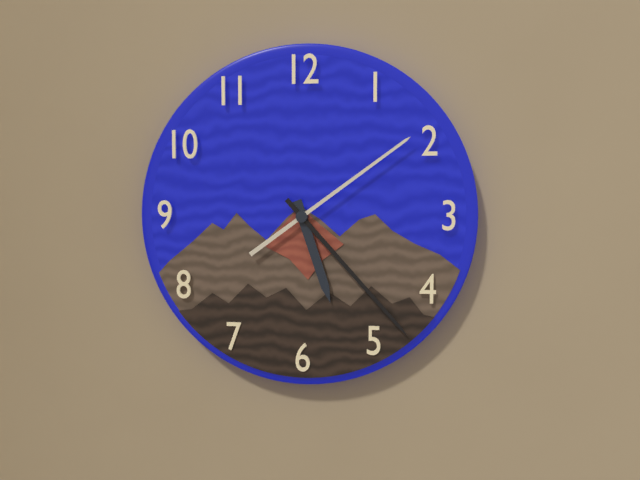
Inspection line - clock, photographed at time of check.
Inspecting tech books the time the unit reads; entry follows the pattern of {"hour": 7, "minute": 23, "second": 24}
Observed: {"hour": 5, "minute": 23, "second": 9}
